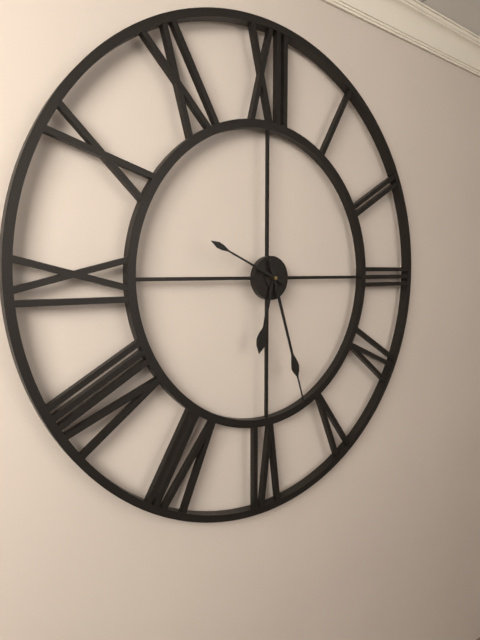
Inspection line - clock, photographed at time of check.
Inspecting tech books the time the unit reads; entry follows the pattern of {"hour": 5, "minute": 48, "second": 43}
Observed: {"hour": 6, "minute": 27, "second": 49}
